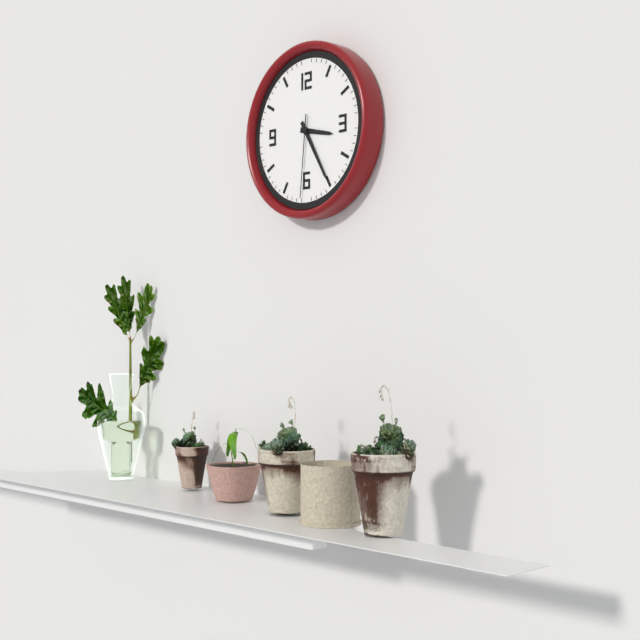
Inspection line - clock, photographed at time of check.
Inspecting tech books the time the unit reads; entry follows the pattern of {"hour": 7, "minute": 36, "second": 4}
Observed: {"hour": 3, "minute": 25, "second": 31}
